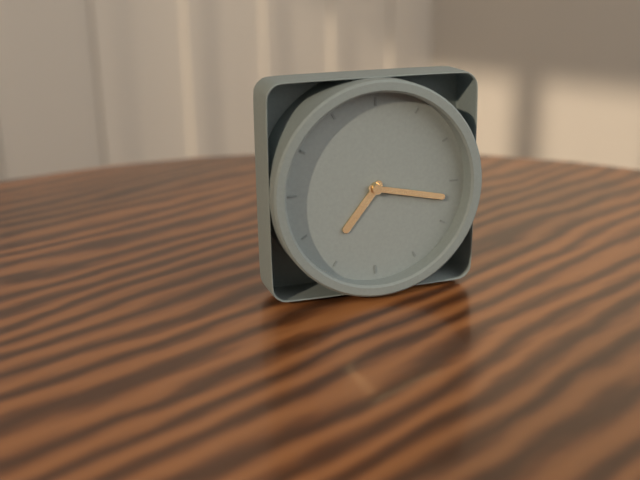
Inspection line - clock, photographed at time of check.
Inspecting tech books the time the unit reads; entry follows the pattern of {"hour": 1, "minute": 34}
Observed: {"hour": 7, "minute": 17}
